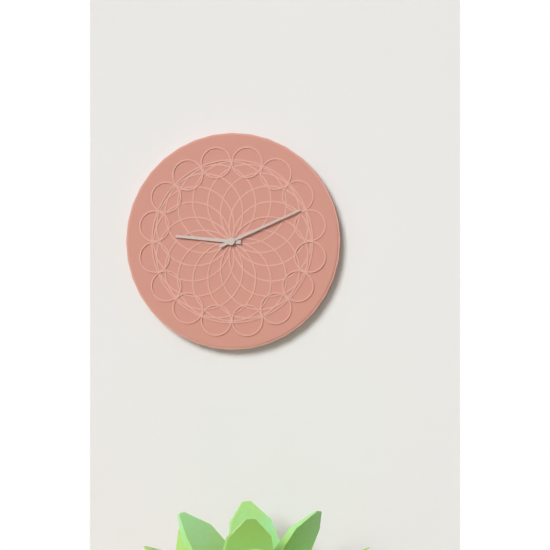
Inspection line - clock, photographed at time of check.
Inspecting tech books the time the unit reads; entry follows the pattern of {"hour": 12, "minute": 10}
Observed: {"hour": 9, "minute": 11}
